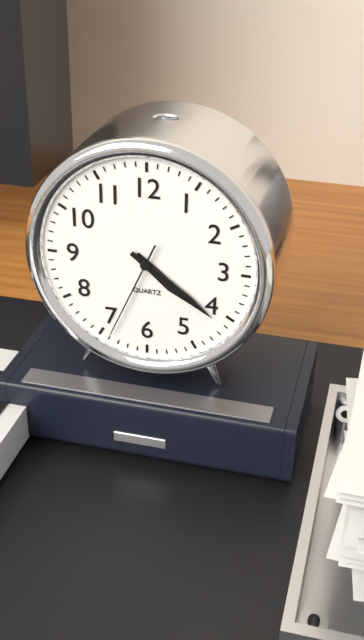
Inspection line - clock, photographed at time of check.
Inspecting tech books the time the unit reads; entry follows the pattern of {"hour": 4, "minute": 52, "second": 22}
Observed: {"hour": 4, "minute": 21, "second": 34}
